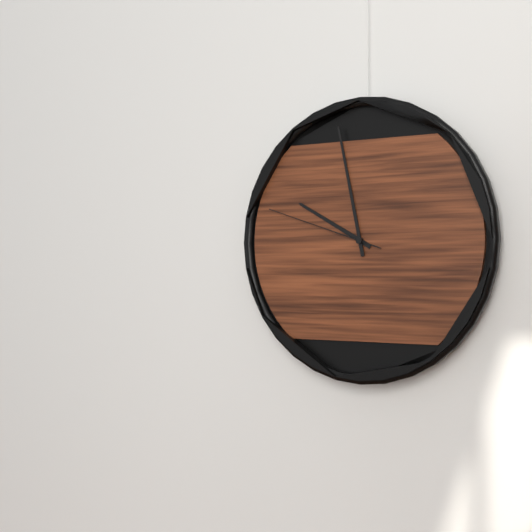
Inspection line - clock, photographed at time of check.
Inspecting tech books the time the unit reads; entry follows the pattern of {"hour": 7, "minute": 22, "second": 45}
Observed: {"hour": 9, "minute": 58, "second": 48}
